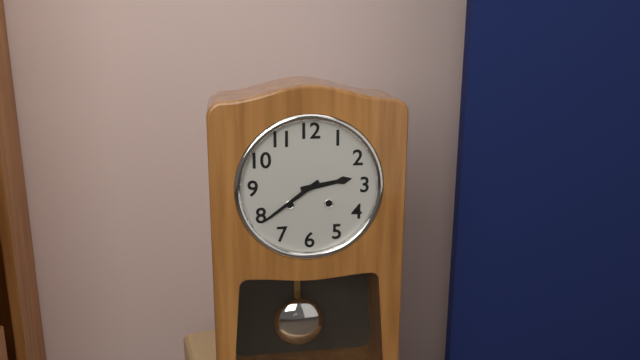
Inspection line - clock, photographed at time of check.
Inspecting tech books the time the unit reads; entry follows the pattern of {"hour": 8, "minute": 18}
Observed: {"hour": 2, "minute": 39}
